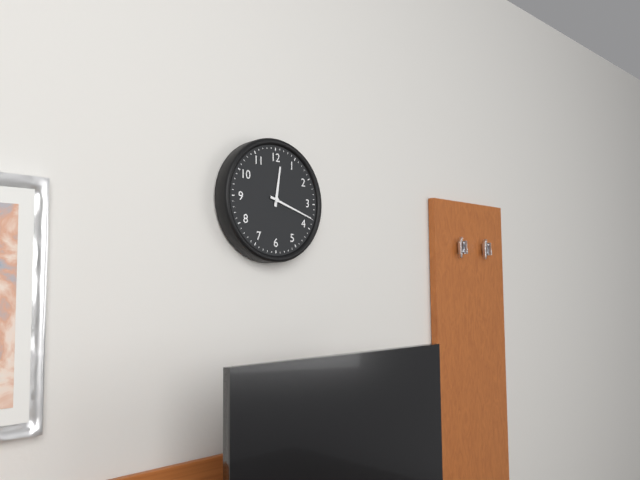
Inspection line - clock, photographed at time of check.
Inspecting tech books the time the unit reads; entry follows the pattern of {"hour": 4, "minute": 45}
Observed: {"hour": 12, "minute": 18}
